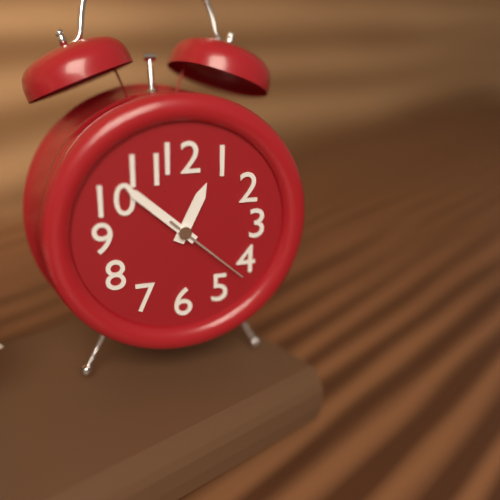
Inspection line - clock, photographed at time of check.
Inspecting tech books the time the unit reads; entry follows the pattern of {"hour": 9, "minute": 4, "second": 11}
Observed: {"hour": 12, "minute": 52, "second": 22}
